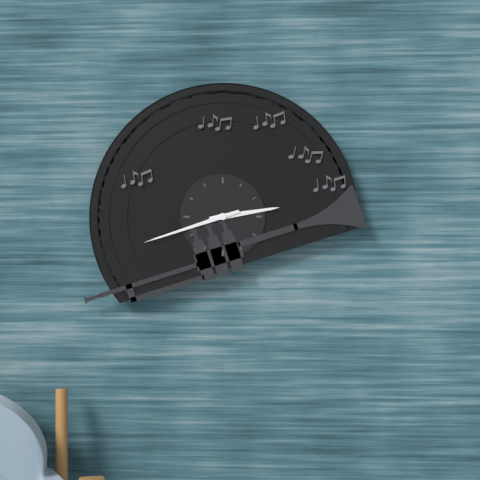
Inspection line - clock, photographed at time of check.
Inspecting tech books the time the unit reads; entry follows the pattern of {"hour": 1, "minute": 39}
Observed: {"hour": 2, "minute": 42}
